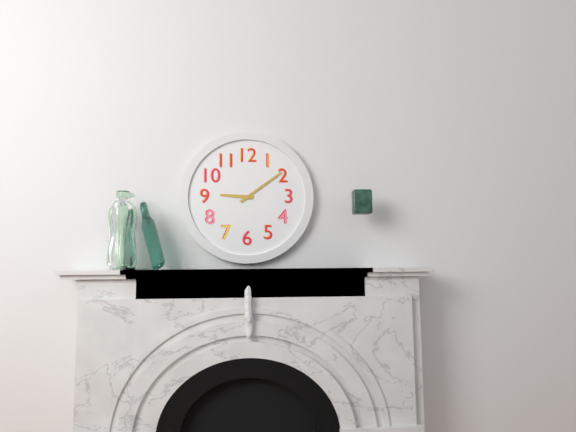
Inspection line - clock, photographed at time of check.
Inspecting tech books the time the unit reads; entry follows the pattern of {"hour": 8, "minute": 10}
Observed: {"hour": 9, "minute": 9}
